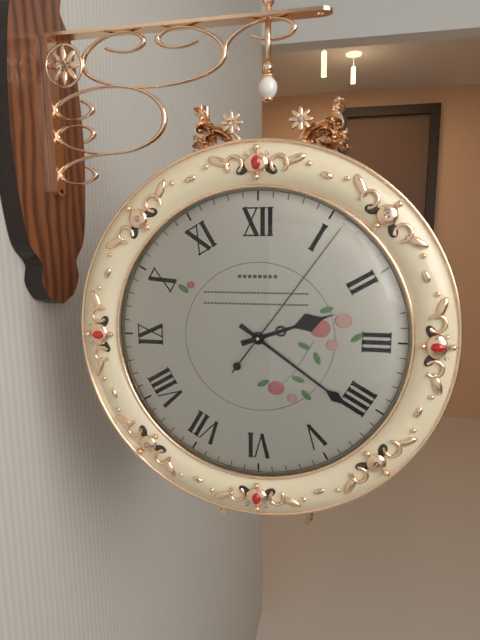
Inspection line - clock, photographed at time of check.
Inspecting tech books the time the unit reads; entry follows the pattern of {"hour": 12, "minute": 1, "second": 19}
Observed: {"hour": 2, "minute": 21, "second": 6}
